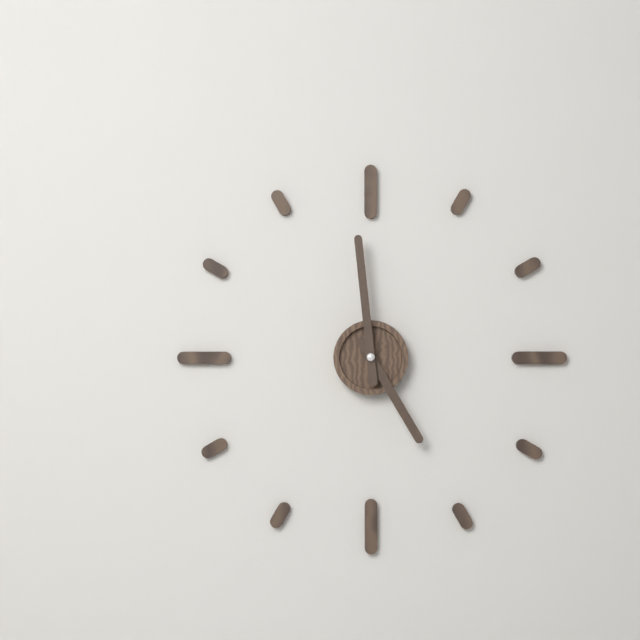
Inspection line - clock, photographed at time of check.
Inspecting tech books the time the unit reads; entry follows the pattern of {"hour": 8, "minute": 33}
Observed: {"hour": 4, "minute": 59}
